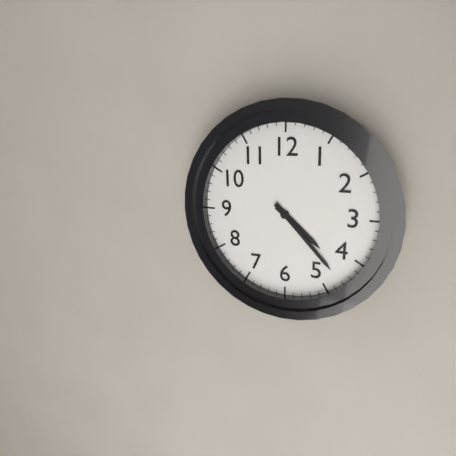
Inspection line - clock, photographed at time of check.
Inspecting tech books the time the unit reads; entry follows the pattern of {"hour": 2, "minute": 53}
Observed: {"hour": 4, "minute": 23}
